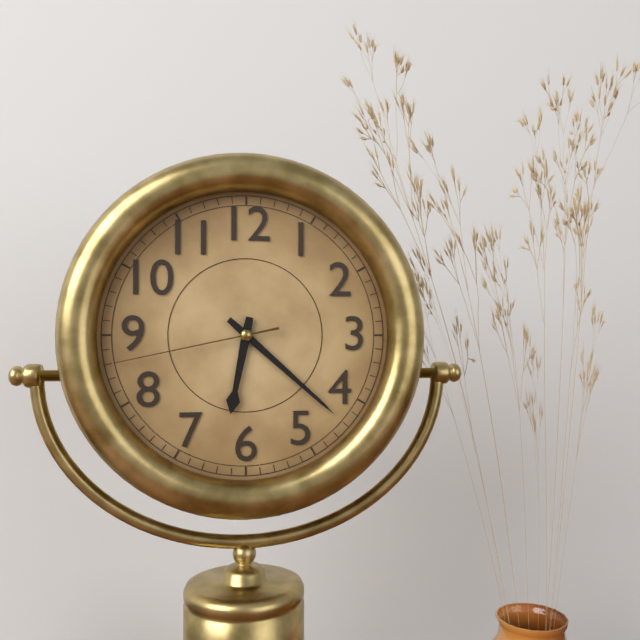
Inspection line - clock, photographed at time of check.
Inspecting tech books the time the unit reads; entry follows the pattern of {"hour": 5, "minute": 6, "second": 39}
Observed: {"hour": 6, "minute": 22, "second": 43}
